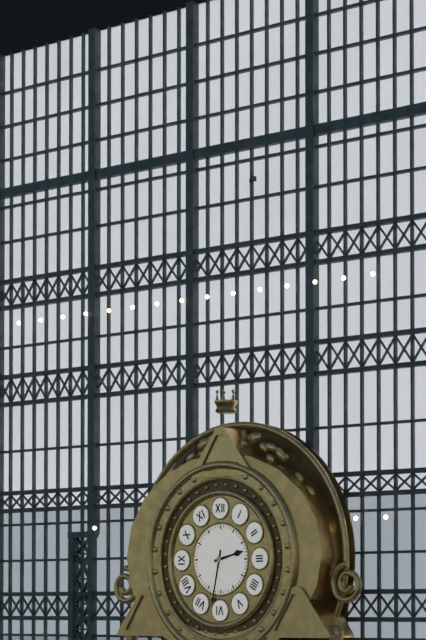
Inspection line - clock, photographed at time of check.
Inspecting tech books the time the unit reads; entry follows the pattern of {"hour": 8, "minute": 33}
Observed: {"hour": 2, "minute": 32}
